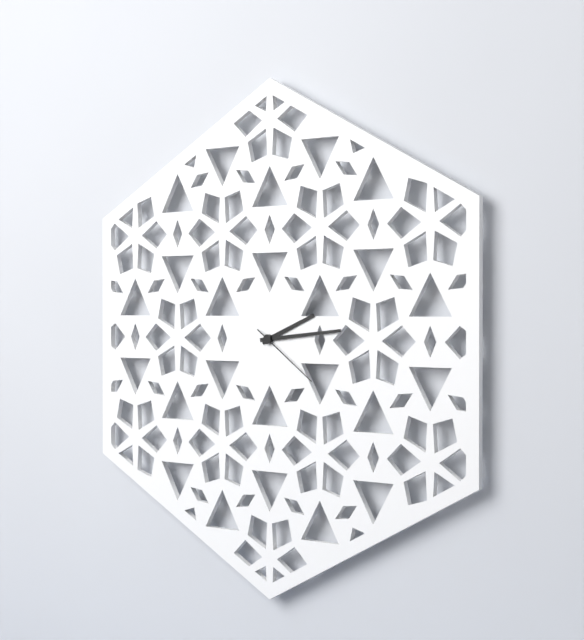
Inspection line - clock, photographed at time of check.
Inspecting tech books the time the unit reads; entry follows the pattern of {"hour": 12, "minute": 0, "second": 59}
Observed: {"hour": 2, "minute": 14, "second": 21}
